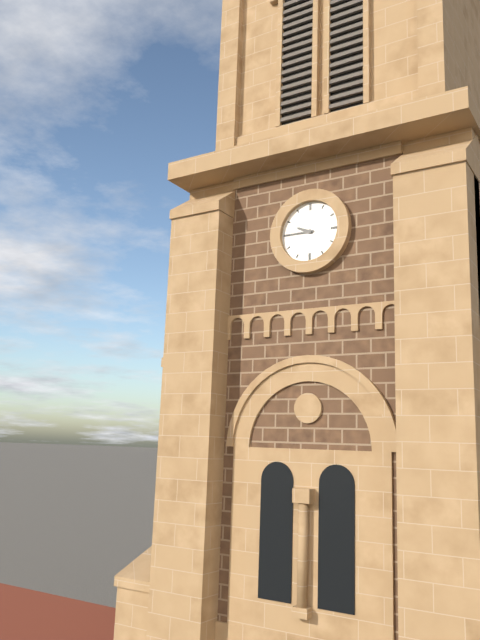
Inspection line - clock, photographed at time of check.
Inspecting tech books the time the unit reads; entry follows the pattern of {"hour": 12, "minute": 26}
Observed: {"hour": 9, "minute": 45}
